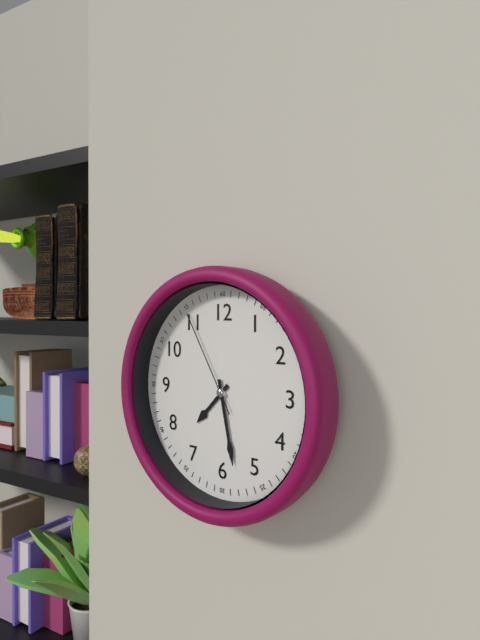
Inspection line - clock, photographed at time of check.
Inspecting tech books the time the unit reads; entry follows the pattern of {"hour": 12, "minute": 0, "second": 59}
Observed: {"hour": 7, "minute": 28, "second": 55}
